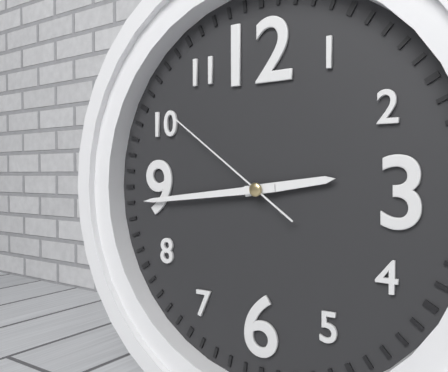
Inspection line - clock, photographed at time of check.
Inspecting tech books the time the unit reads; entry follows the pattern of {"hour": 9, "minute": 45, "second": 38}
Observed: {"hour": 2, "minute": 44, "second": 51}
